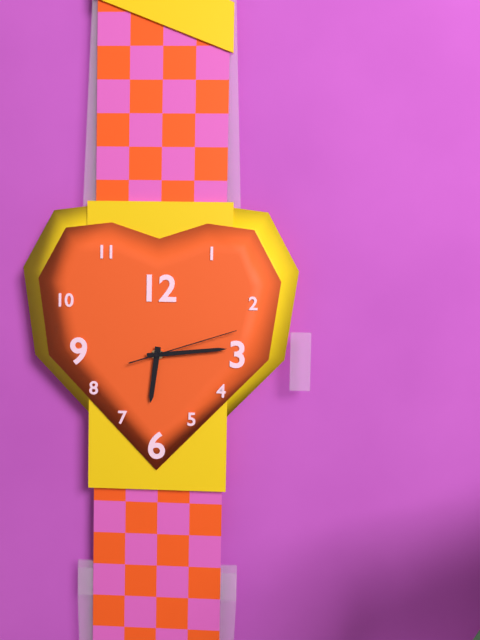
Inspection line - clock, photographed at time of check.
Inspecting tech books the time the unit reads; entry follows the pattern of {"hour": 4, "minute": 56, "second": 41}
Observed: {"hour": 6, "minute": 14, "second": 12}
